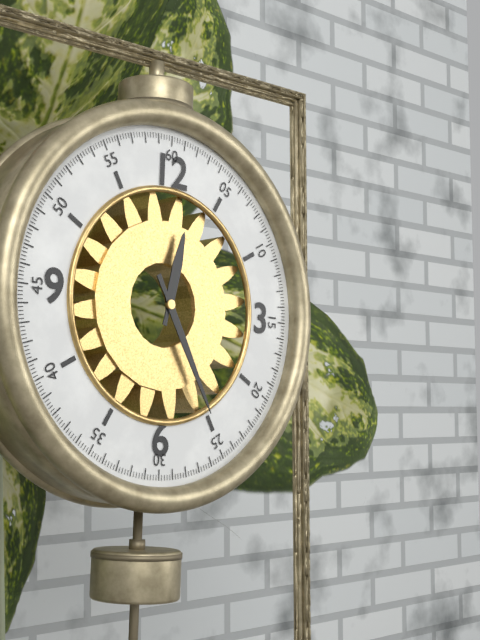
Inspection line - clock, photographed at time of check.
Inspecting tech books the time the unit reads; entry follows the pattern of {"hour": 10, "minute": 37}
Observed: {"hour": 12, "minute": 25}
